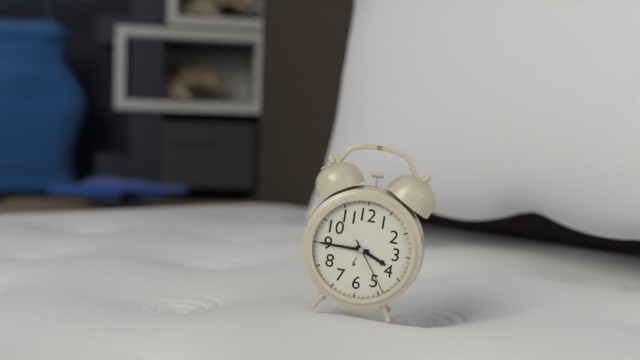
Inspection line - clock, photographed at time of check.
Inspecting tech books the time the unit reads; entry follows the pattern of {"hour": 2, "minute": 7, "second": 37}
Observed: {"hour": 3, "minute": 45, "second": 24}
